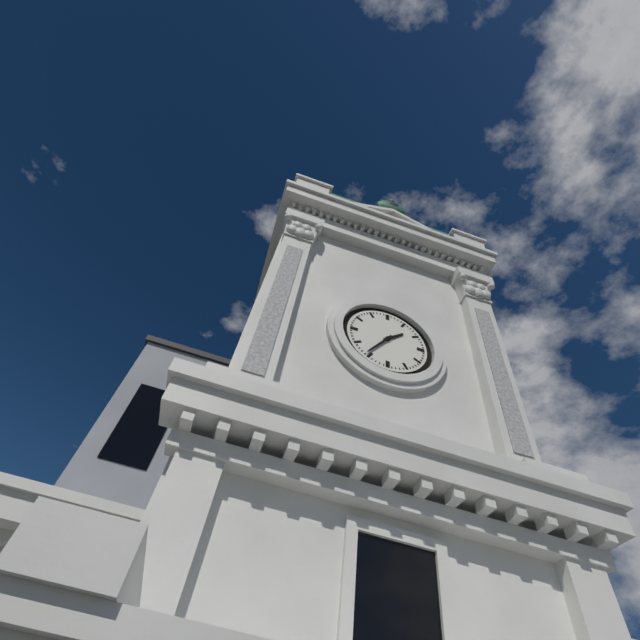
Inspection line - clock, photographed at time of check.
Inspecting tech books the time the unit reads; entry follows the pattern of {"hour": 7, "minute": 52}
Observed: {"hour": 1, "minute": 36}
